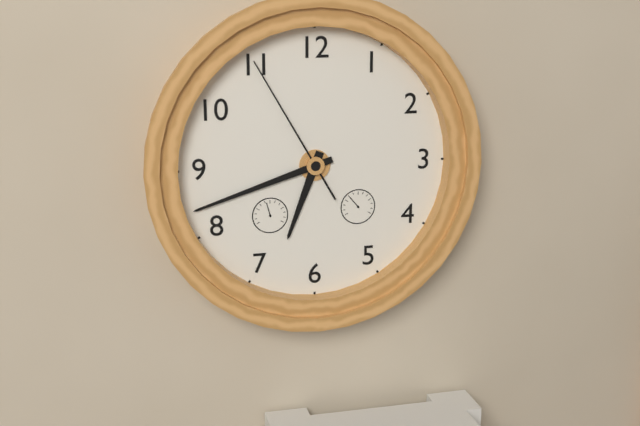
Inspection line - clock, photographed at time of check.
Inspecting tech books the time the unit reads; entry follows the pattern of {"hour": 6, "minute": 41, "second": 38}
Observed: {"hour": 6, "minute": 42, "second": 55}
